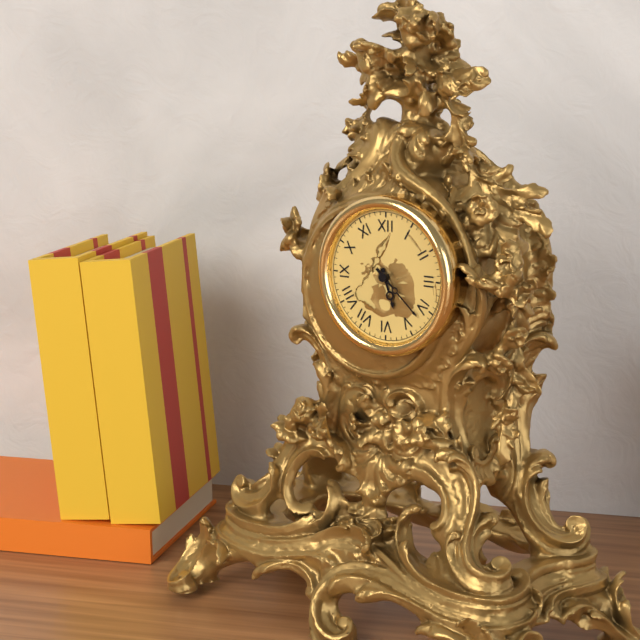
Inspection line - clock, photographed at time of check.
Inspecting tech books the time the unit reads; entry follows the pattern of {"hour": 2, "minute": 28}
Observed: {"hour": 5, "minute": 22}
